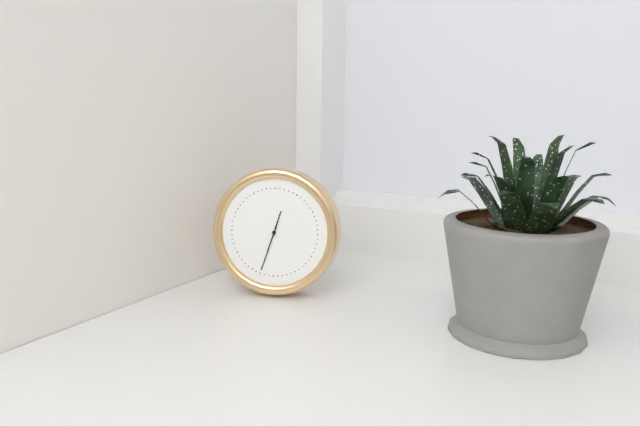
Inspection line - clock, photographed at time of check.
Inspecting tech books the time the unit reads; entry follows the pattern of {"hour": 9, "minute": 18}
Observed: {"hour": 12, "minute": 33}
